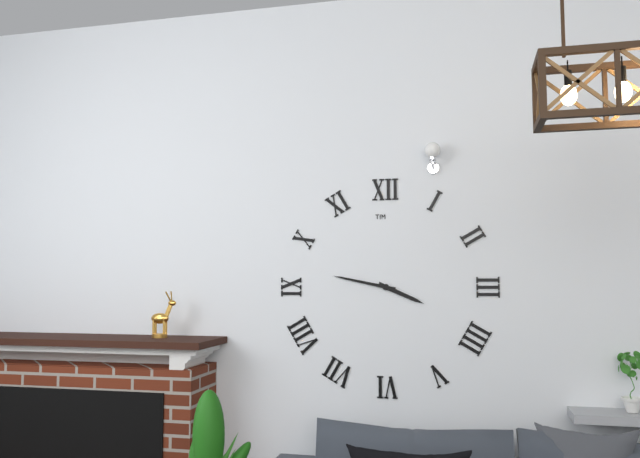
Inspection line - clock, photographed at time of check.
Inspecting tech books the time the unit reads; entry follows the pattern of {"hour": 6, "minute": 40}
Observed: {"hour": 3, "minute": 47}
